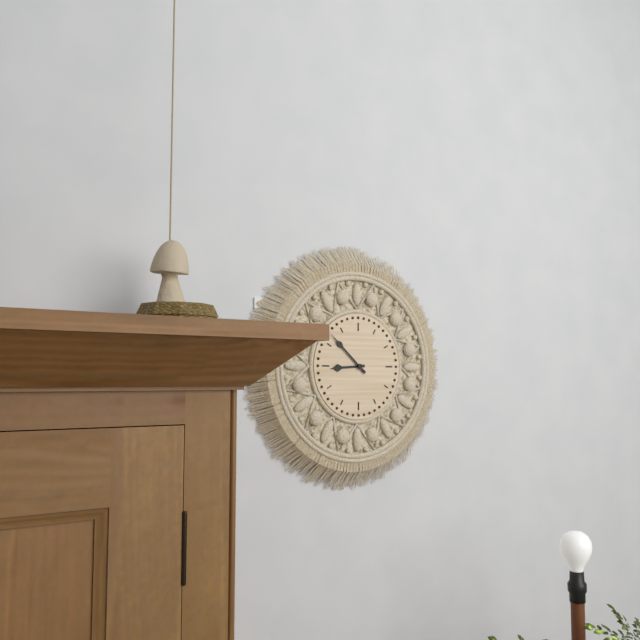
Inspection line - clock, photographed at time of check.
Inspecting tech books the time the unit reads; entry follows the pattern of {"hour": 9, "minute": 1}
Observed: {"hour": 8, "minute": 52}
